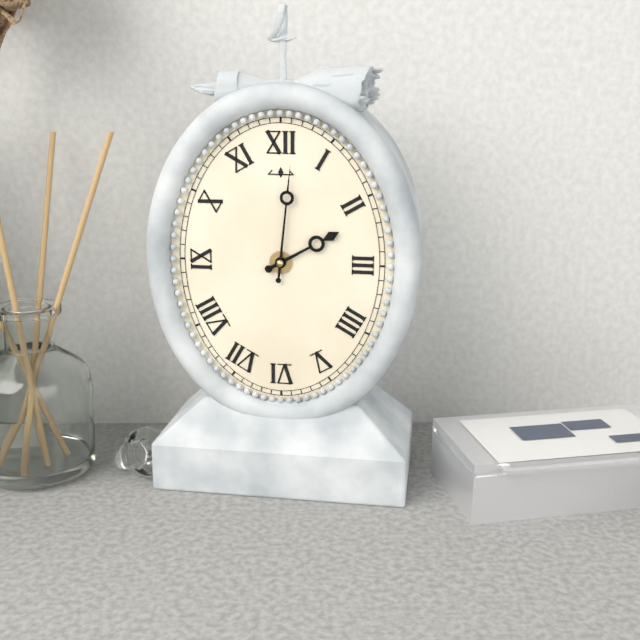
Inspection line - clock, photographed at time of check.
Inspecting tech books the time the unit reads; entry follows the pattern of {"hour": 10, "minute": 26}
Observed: {"hour": 2, "minute": 1}
